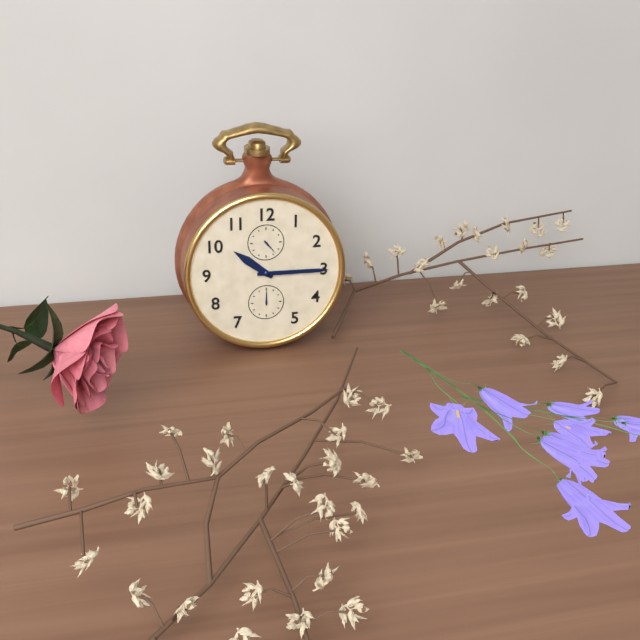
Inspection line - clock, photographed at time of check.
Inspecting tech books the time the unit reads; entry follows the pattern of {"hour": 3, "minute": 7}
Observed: {"hour": 10, "minute": 15}
